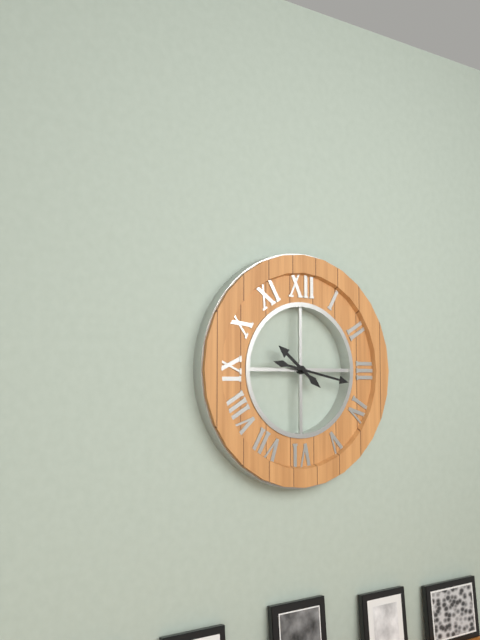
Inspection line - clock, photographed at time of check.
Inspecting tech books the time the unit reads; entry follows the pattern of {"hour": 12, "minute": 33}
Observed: {"hour": 10, "minute": 17}
